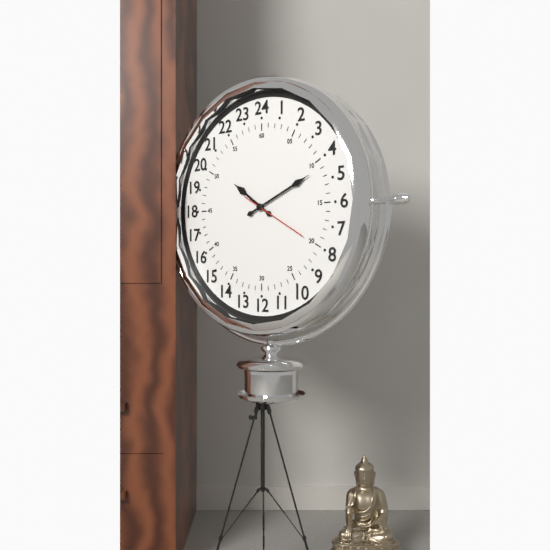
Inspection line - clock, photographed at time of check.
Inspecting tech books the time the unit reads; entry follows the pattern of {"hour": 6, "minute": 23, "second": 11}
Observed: {"hour": 10, "minute": 11, "second": 20}
